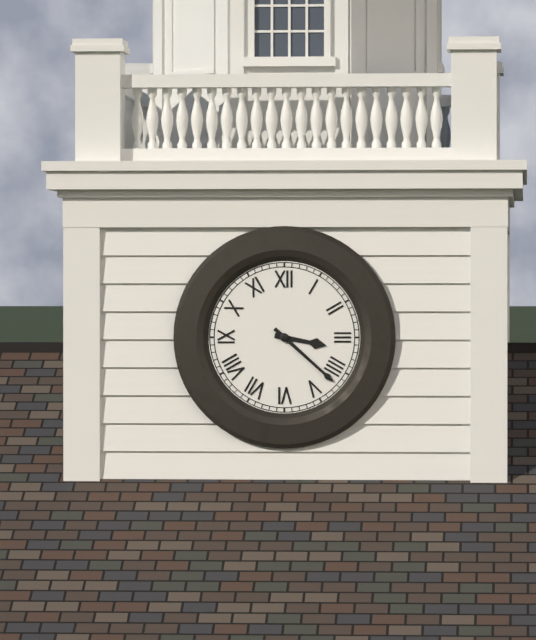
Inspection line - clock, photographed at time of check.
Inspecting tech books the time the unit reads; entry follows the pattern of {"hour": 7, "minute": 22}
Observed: {"hour": 3, "minute": 22}
